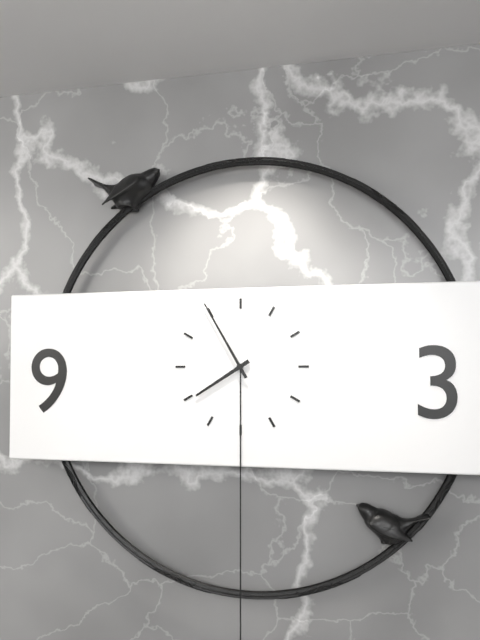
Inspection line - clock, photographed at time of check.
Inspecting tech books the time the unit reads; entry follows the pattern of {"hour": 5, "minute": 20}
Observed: {"hour": 7, "minute": 55}
